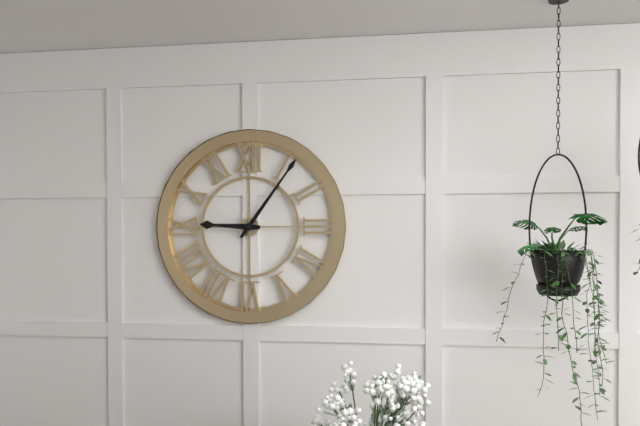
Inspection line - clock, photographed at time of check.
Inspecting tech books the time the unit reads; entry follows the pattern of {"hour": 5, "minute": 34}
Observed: {"hour": 9, "minute": 6}
